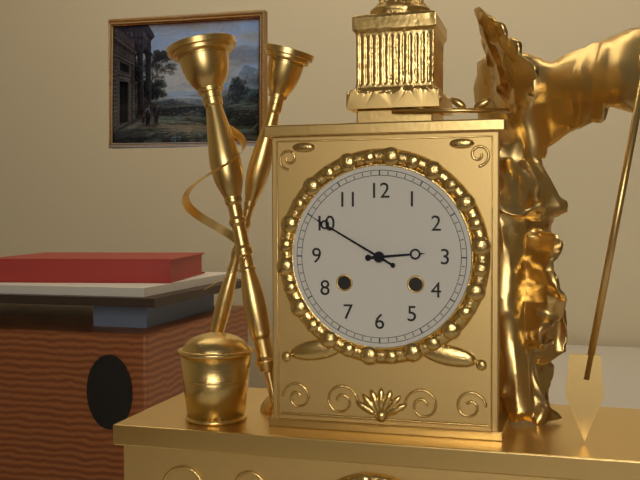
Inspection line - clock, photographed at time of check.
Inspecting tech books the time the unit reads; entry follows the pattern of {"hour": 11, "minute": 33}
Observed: {"hour": 2, "minute": 50}
